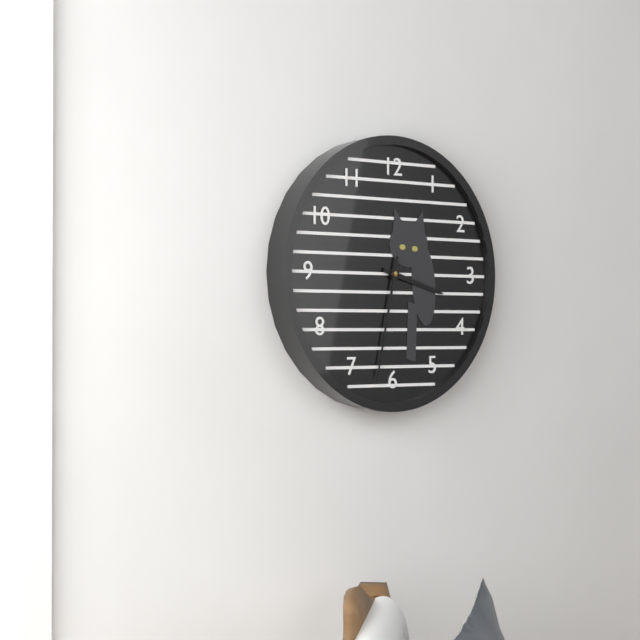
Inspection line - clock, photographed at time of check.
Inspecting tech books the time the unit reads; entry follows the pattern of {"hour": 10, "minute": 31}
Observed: {"hour": 3, "minute": 32}
